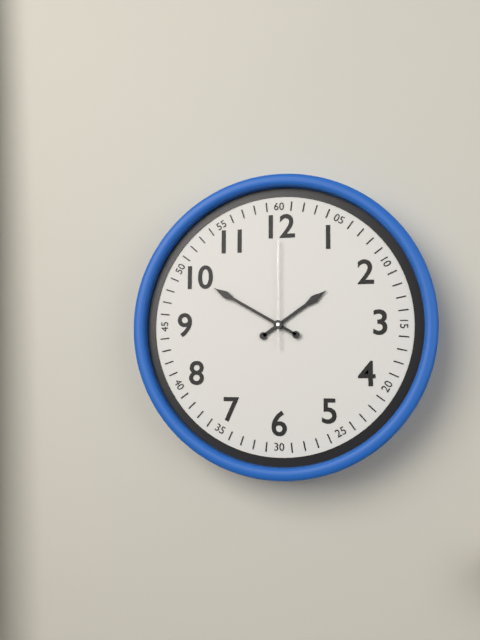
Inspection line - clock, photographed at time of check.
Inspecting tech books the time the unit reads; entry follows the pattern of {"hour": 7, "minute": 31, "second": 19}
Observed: {"hour": 1, "minute": 50, "second": 0}
